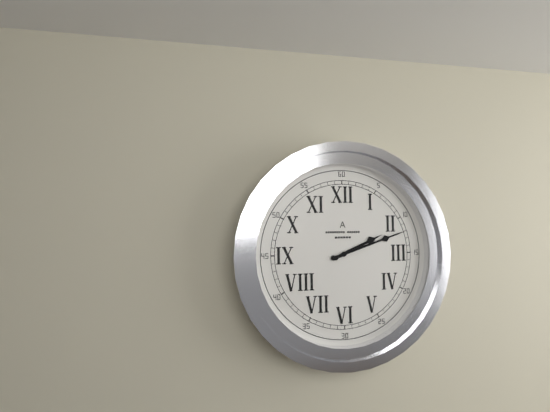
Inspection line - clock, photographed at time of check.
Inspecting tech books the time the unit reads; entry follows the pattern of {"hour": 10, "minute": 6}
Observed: {"hour": 2, "minute": 12}
